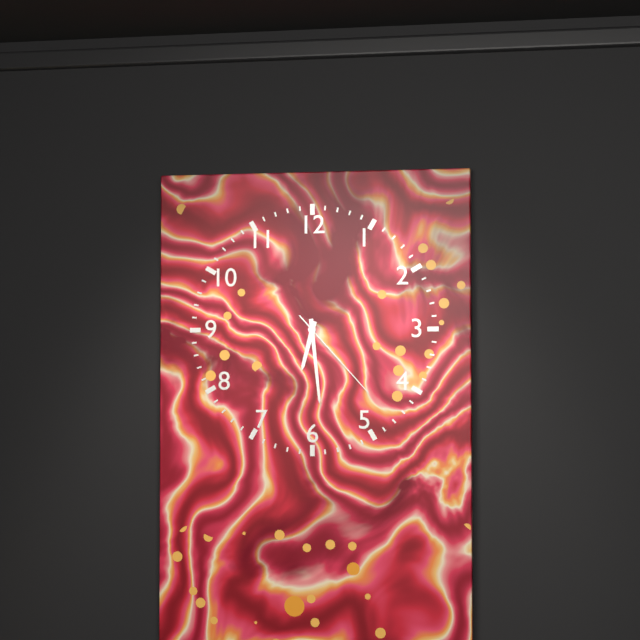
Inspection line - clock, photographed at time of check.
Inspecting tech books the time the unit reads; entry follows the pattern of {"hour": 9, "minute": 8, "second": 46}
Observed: {"hour": 6, "minute": 29, "second": 23}
